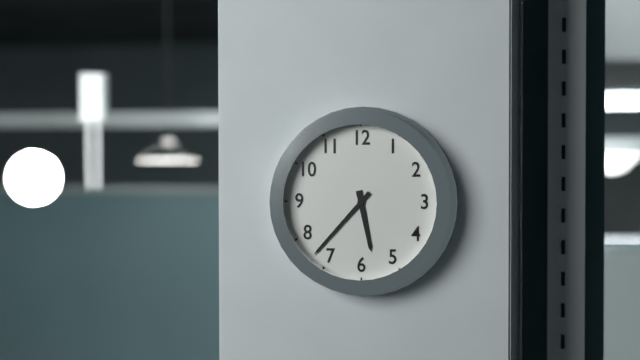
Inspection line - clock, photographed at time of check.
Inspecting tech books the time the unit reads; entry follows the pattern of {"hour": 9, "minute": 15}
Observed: {"hour": 5, "minute": 37}
